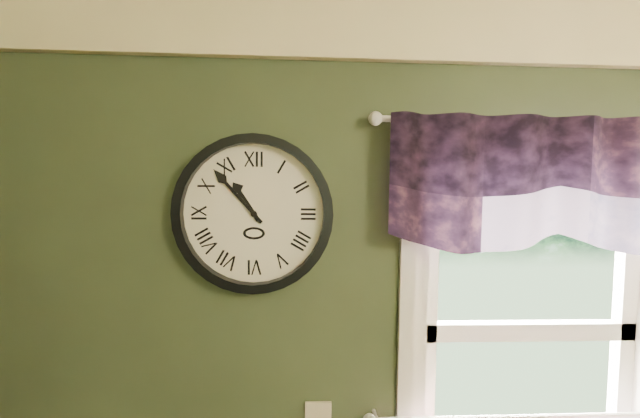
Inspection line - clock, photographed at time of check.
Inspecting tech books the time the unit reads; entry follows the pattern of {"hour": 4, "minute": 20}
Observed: {"hour": 10, "minute": 53}
